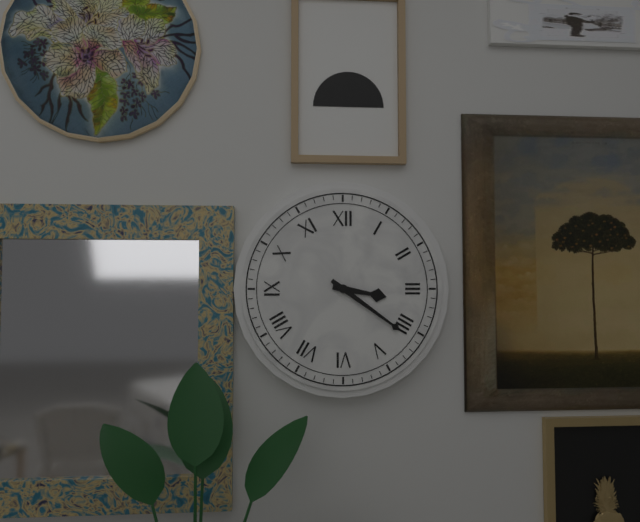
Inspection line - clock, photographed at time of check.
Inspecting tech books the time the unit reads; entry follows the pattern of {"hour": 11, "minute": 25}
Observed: {"hour": 3, "minute": 21}
